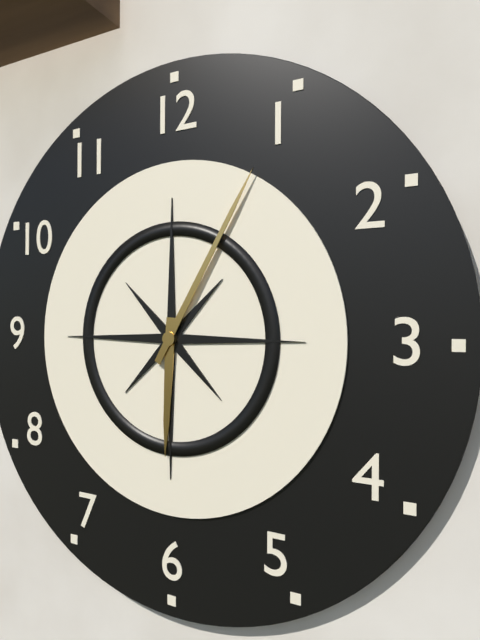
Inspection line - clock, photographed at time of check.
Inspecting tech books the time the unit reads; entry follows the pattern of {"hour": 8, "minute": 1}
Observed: {"hour": 6, "minute": 5}
